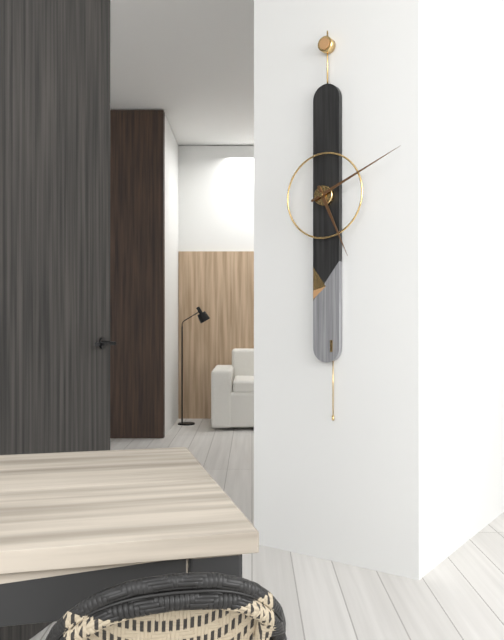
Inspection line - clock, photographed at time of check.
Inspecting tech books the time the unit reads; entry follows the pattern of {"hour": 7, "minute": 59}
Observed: {"hour": 5, "minute": 11}
